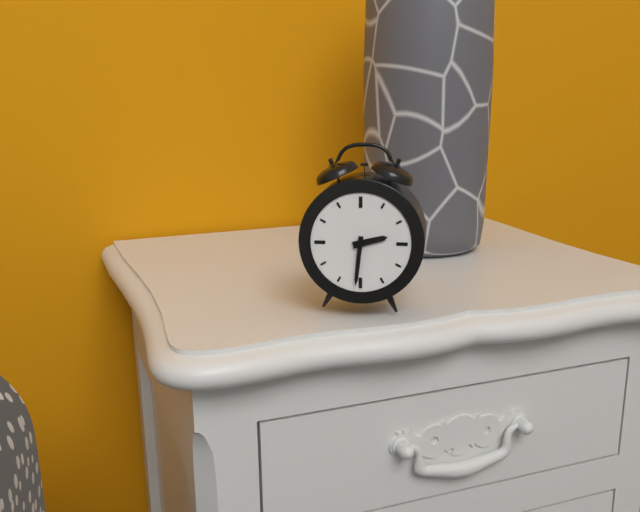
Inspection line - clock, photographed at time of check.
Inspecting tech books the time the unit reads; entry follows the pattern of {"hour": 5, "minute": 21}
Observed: {"hour": 2, "minute": 31}
